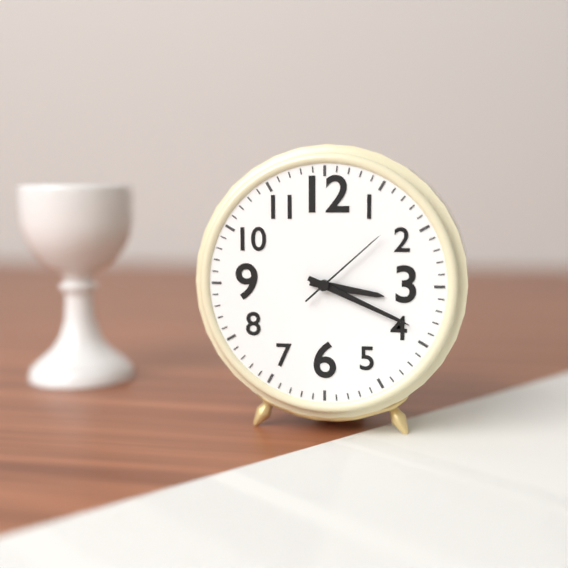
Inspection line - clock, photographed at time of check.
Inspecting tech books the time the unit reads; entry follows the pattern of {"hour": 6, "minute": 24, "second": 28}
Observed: {"hour": 3, "minute": 19, "second": 8}
